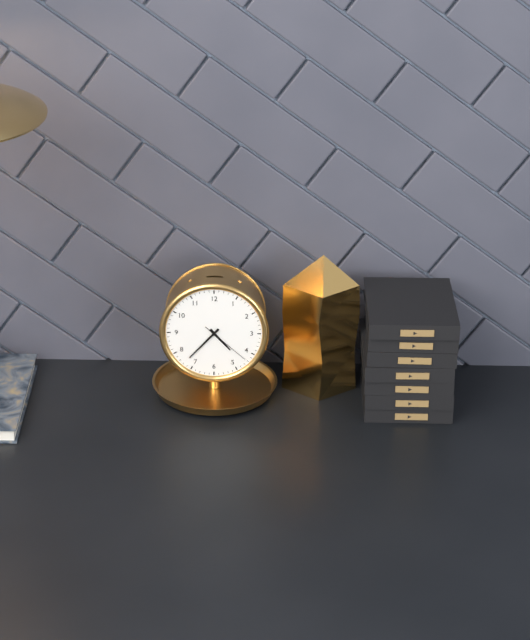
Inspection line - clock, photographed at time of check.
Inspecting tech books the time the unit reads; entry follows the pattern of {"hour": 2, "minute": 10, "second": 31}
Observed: {"hour": 4, "minute": 37, "second": 22}
